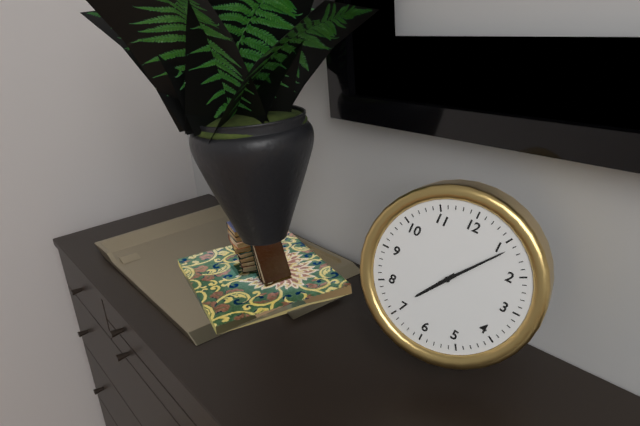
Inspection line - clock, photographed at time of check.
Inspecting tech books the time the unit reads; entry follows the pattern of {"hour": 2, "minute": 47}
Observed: {"hour": 7, "minute": 6}
